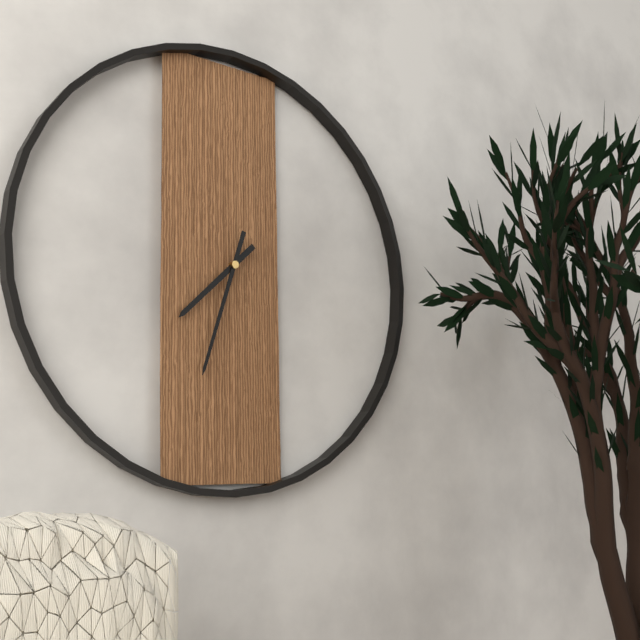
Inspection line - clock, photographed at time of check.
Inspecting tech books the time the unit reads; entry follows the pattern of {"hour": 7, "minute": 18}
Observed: {"hour": 7, "minute": 33}
